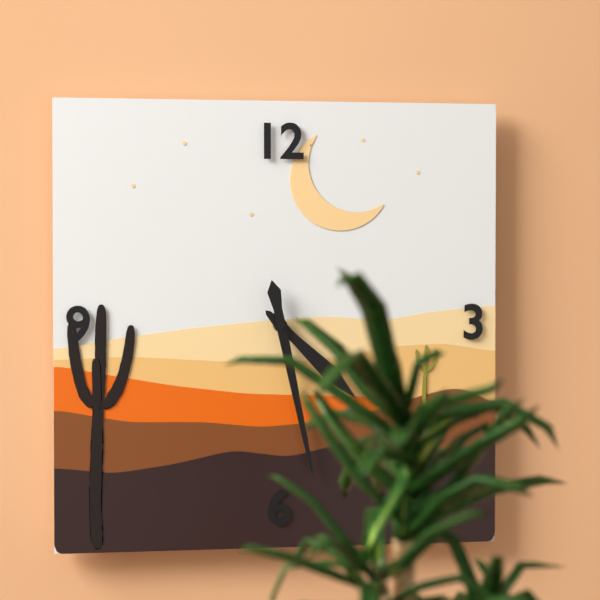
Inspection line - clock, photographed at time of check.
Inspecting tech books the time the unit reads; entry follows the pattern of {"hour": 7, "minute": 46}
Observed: {"hour": 4, "minute": 28}
